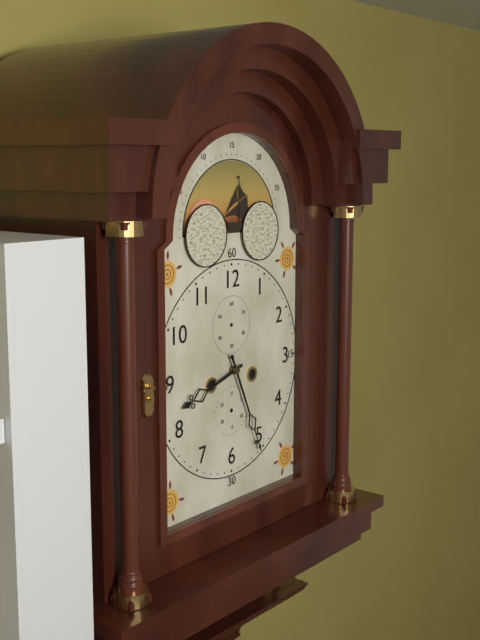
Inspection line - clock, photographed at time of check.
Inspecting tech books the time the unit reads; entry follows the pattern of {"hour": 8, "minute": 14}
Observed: {"hour": 8, "minute": 26}
